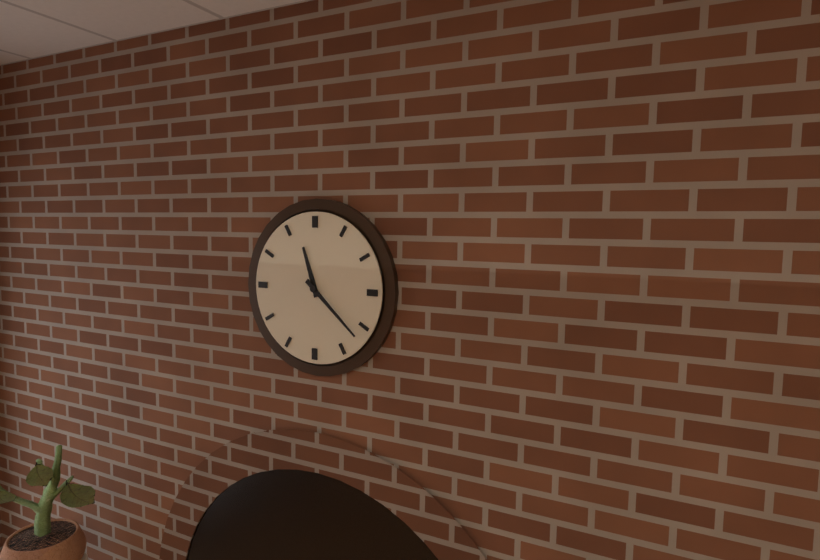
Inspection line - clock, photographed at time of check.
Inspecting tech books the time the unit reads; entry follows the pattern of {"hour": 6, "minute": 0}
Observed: {"hour": 11, "minute": 22}
